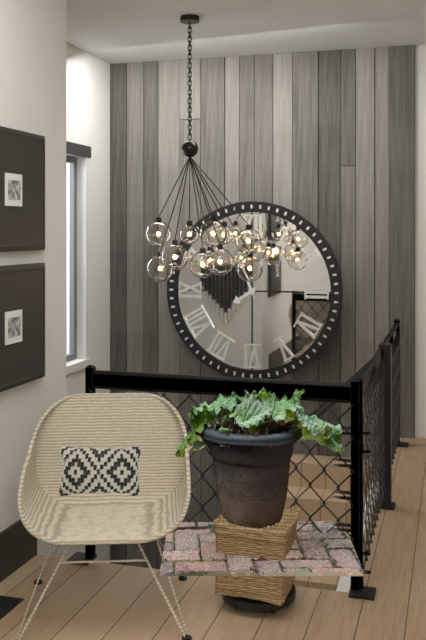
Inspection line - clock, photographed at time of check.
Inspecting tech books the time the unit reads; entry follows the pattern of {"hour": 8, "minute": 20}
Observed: {"hour": 7, "minute": 56}
